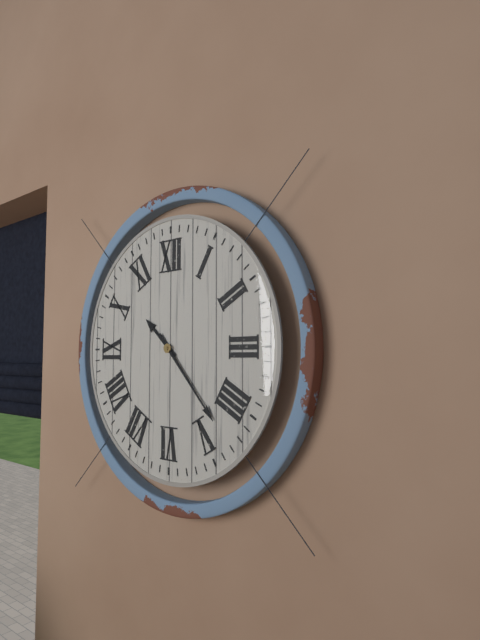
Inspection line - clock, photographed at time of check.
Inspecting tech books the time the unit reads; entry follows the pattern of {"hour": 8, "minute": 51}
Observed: {"hour": 10, "minute": 23}
